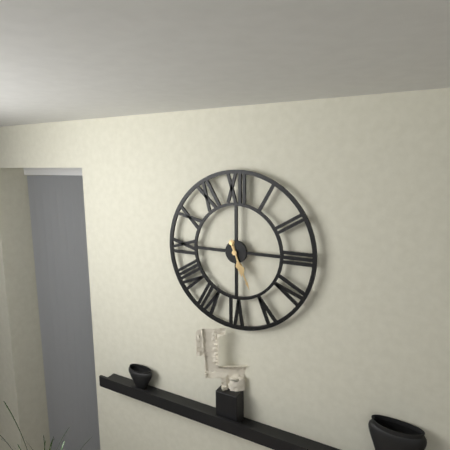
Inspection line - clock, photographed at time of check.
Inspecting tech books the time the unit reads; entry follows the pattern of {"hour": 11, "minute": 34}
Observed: {"hour": 5, "minute": 26}
